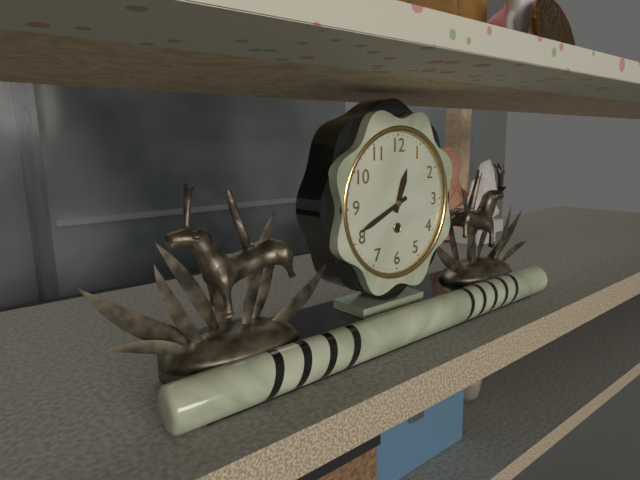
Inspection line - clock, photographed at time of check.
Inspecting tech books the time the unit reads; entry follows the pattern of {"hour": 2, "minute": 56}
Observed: {"hour": 12, "minute": 41}
